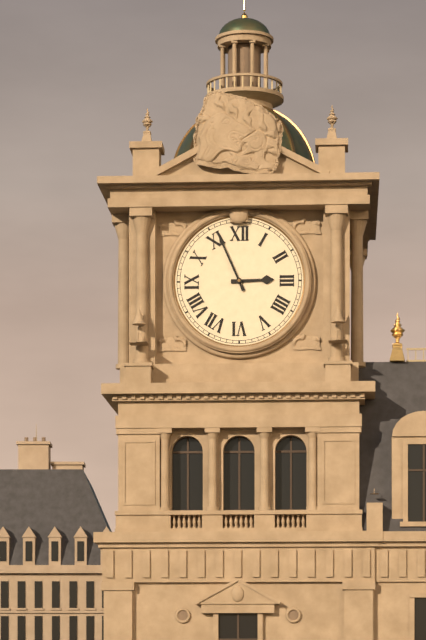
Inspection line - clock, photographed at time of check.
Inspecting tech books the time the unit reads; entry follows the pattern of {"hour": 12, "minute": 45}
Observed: {"hour": 2, "minute": 56}
